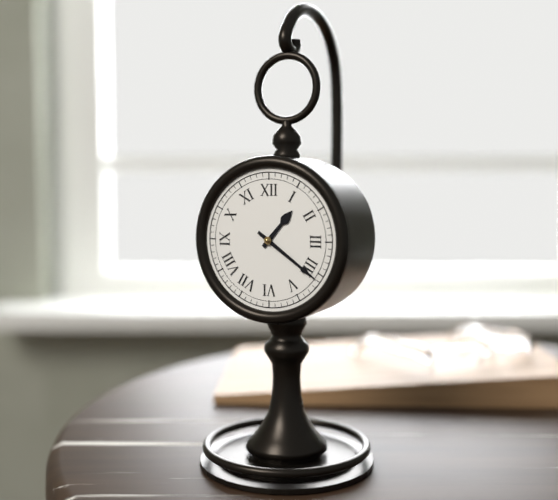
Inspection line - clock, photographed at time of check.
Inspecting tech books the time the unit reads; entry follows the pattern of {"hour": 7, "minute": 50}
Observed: {"hour": 1, "minute": 21}
